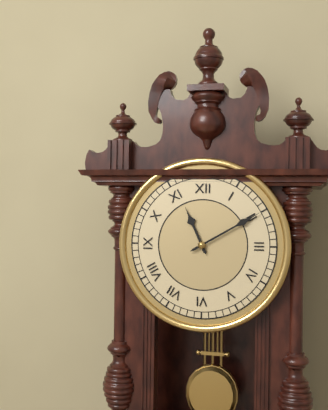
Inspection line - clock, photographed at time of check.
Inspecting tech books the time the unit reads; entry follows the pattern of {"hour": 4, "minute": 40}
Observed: {"hour": 11, "minute": 10}
